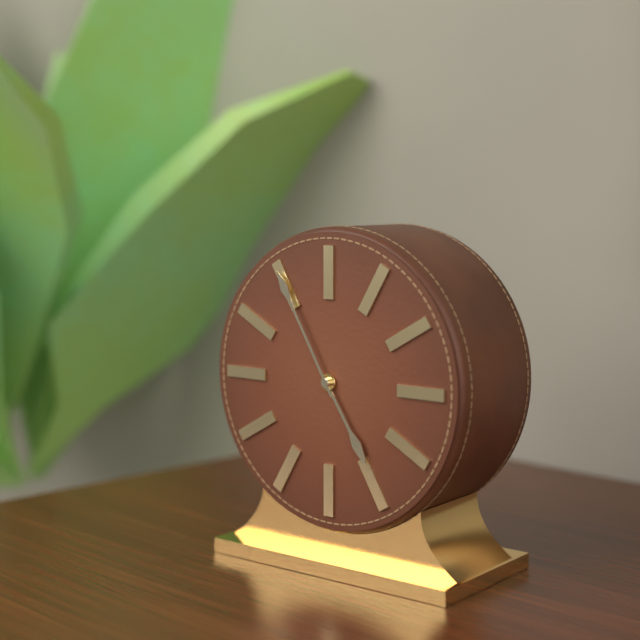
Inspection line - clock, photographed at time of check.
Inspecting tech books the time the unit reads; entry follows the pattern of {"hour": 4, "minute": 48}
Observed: {"hour": 4, "minute": 55}
